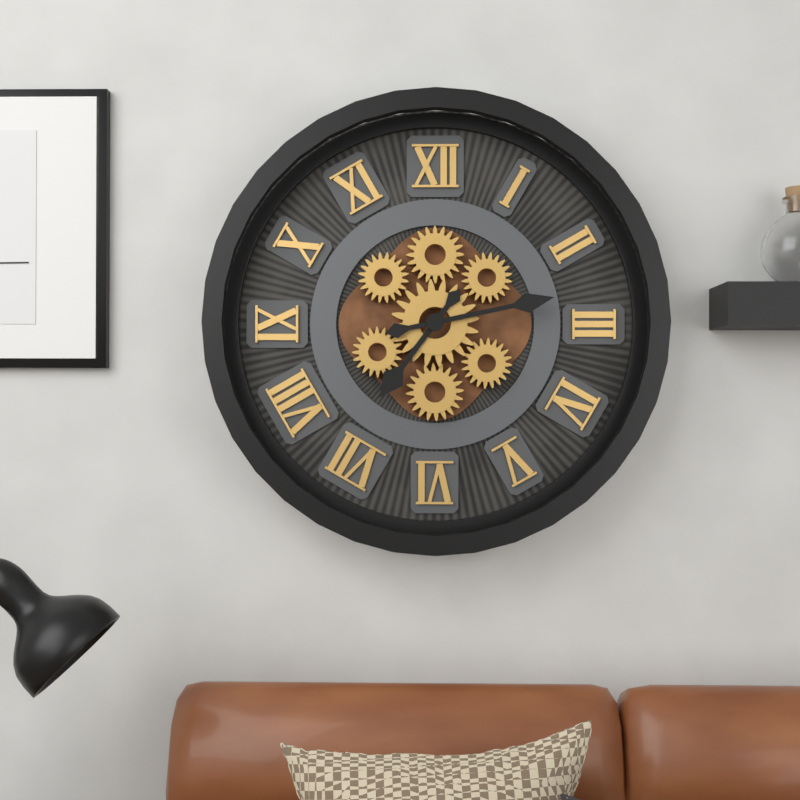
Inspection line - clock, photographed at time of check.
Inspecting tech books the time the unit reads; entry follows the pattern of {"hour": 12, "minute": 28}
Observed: {"hour": 7, "minute": 13}
